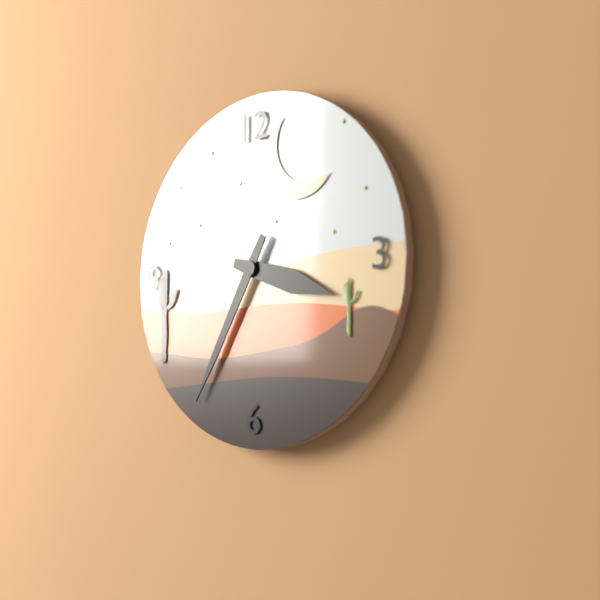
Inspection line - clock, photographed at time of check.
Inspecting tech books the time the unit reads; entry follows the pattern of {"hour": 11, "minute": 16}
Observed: {"hour": 3, "minute": 35}
